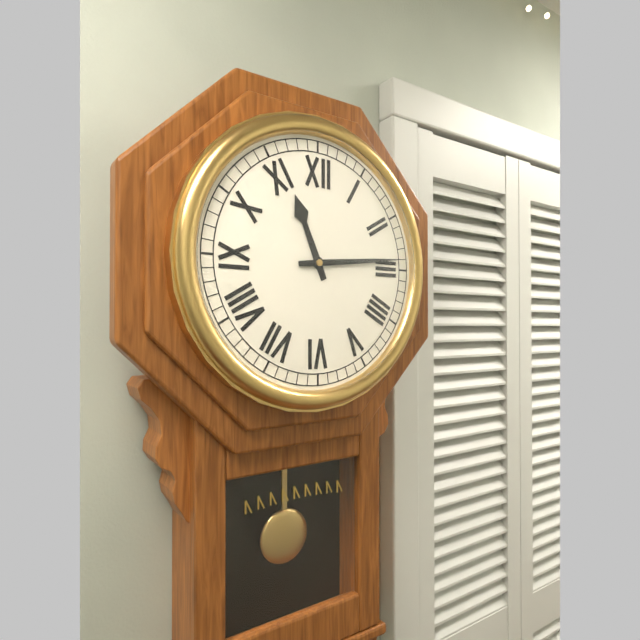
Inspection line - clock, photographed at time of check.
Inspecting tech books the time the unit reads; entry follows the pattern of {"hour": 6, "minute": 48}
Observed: {"hour": 11, "minute": 14}
